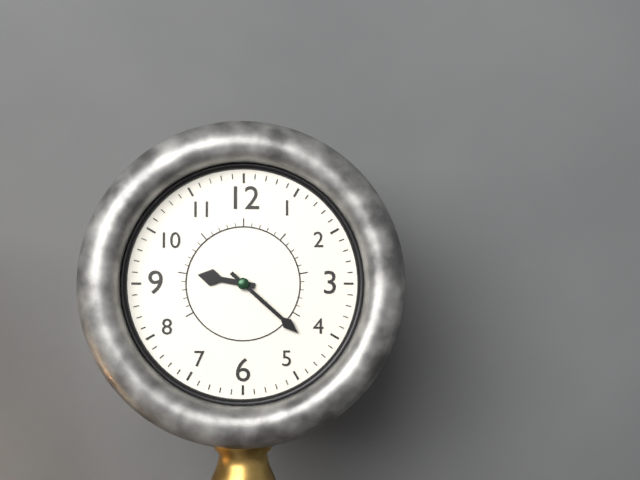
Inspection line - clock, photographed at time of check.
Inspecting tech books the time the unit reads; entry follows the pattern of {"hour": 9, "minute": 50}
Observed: {"hour": 9, "minute": 22}
